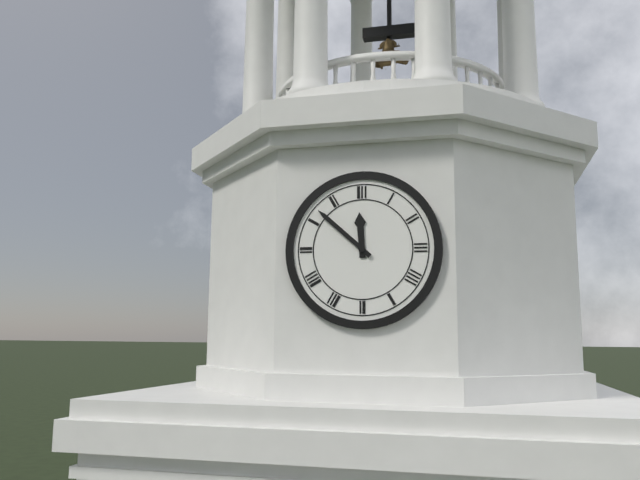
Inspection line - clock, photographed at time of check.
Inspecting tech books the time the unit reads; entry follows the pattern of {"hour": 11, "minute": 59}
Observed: {"hour": 11, "minute": 52}
